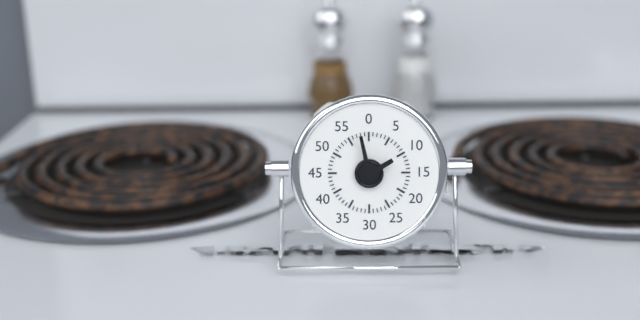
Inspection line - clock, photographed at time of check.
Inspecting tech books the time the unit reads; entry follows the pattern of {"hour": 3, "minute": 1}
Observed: {"hour": 1, "minute": 58}
